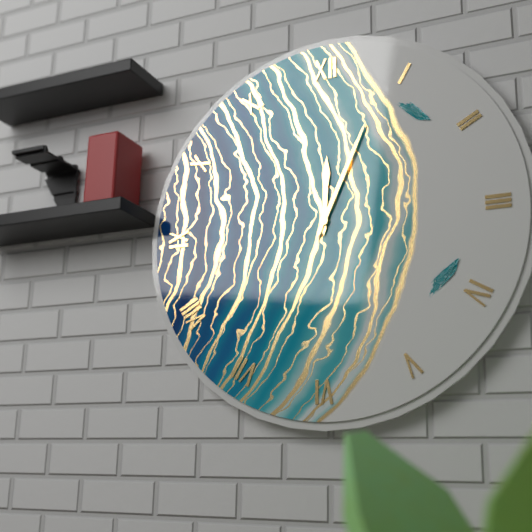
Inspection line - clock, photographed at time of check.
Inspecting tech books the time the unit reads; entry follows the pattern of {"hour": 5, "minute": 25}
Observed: {"hour": 12, "minute": 4}
